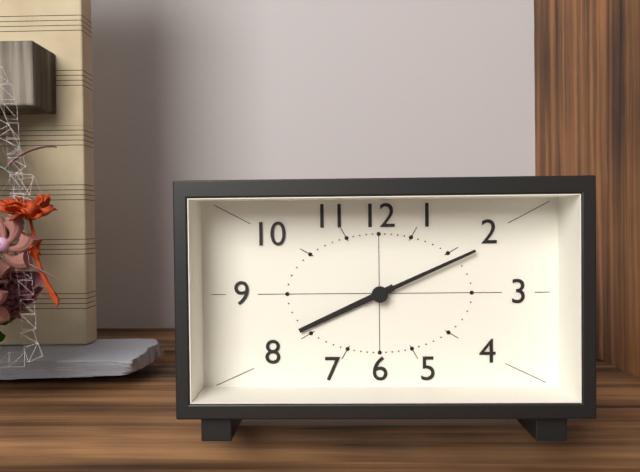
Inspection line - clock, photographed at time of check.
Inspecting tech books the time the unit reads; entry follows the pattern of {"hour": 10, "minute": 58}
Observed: {"hour": 8, "minute": 11}
